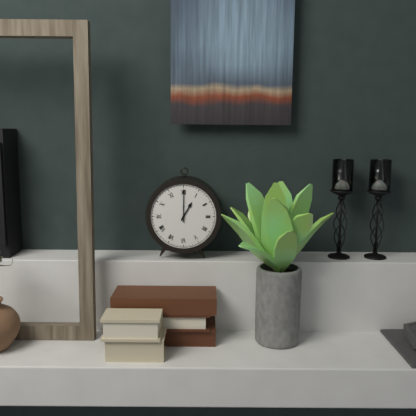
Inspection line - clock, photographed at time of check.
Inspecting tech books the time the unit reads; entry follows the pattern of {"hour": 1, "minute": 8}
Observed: {"hour": 1, "minute": 0}
